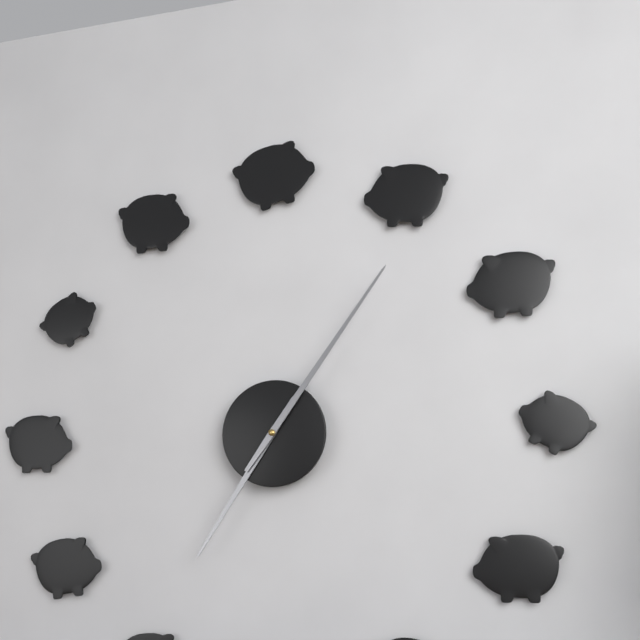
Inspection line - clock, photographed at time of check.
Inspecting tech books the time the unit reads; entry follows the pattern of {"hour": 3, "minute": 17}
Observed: {"hour": 7, "minute": 6}
